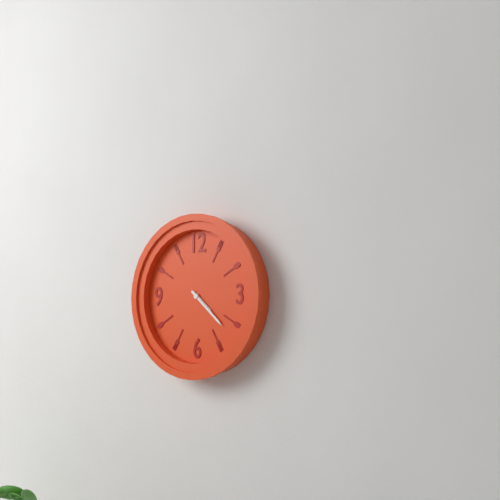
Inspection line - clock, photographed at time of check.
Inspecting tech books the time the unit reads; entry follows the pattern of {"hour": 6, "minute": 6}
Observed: {"hour": 4, "minute": 22}
